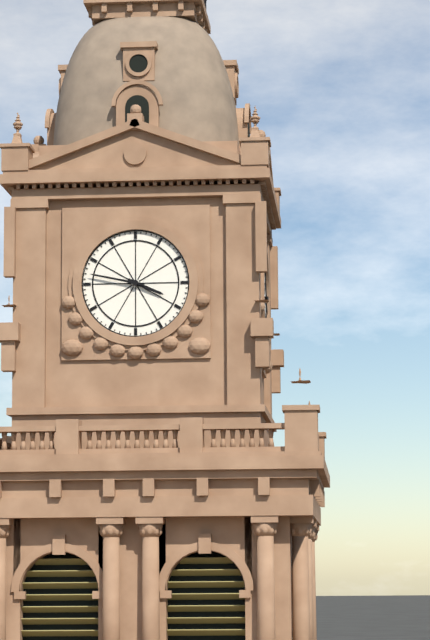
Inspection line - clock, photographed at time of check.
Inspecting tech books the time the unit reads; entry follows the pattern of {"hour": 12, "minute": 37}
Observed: {"hour": 3, "minute": 47}
